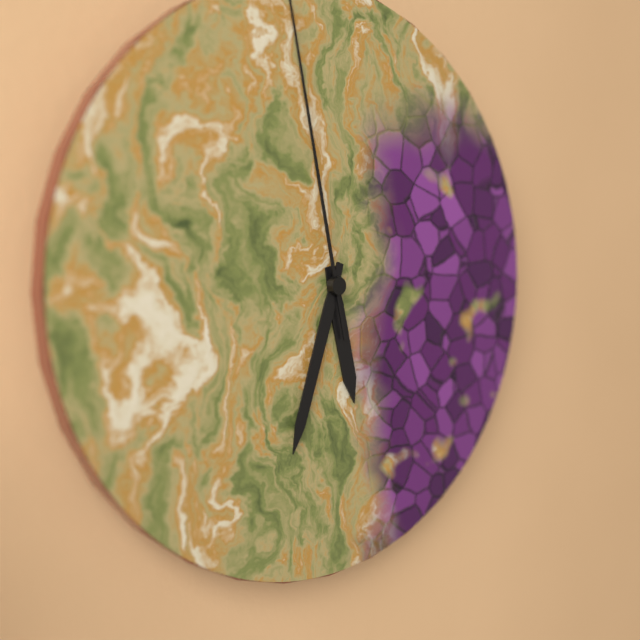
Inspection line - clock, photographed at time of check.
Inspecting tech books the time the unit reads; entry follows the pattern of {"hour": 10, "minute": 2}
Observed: {"hour": 5, "minute": 33}
